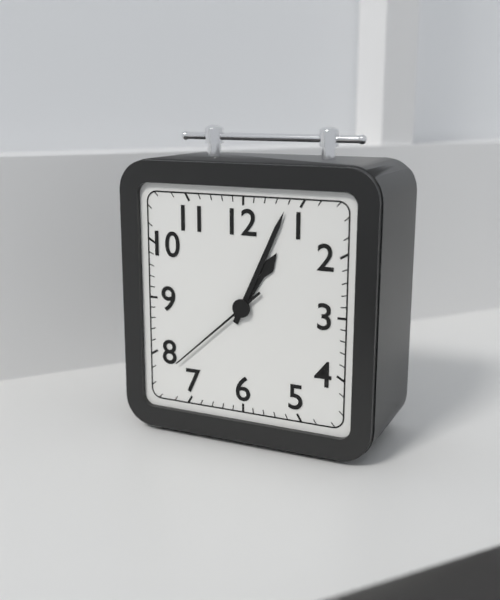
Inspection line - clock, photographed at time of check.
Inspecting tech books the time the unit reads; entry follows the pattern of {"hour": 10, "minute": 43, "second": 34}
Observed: {"hour": 1, "minute": 4, "second": 38}
